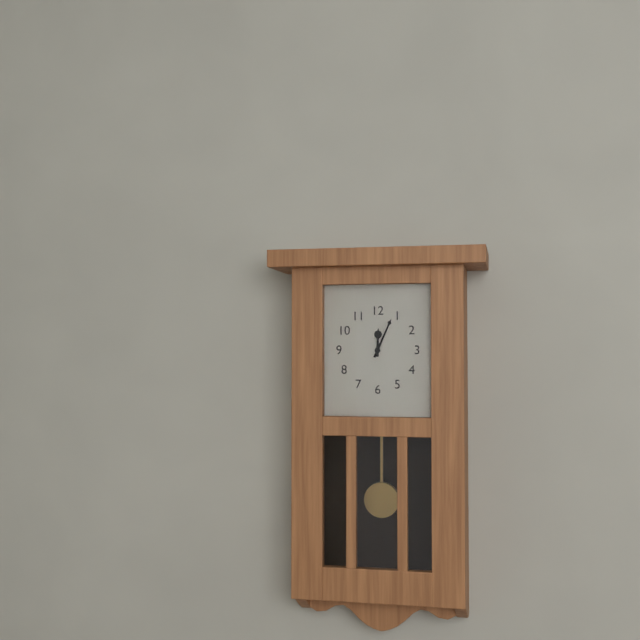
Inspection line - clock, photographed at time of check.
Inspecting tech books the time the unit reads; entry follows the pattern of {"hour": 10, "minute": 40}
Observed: {"hour": 12, "minute": 4}
